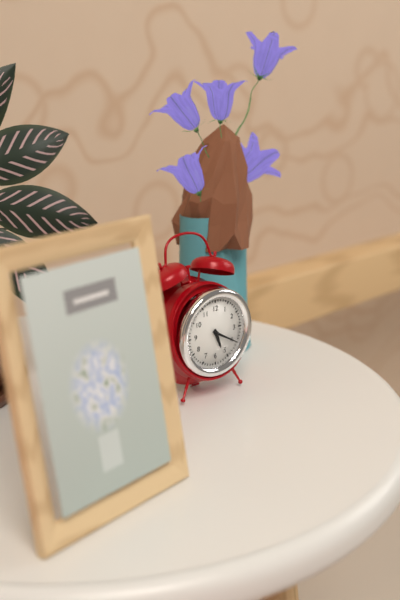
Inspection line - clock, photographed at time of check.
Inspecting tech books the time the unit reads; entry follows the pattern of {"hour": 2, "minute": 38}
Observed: {"hour": 5, "minute": 20}
